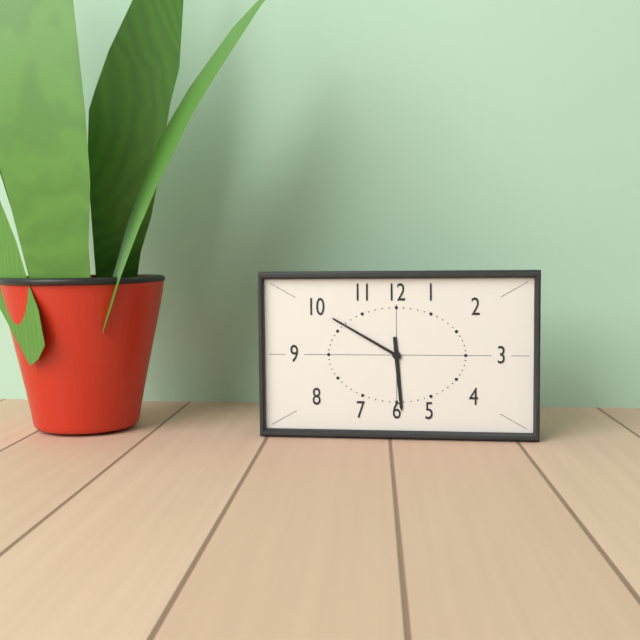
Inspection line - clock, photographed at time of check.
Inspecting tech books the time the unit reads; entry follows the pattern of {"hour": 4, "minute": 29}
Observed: {"hour": 5, "minute": 50}
